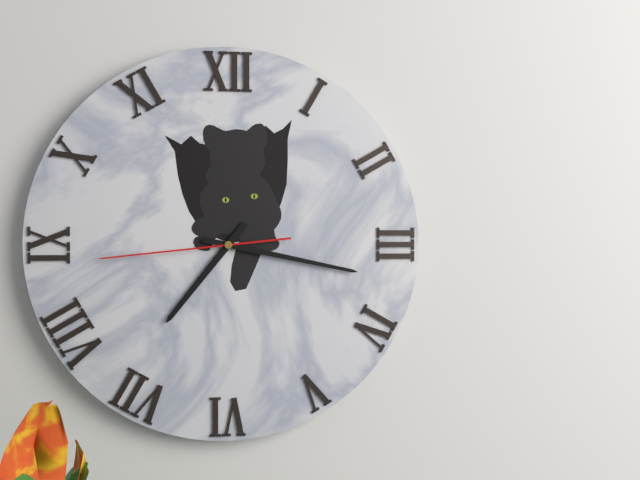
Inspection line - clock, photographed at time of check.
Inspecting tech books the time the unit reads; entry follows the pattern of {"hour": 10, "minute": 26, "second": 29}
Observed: {"hour": 7, "minute": 17, "second": 44}
